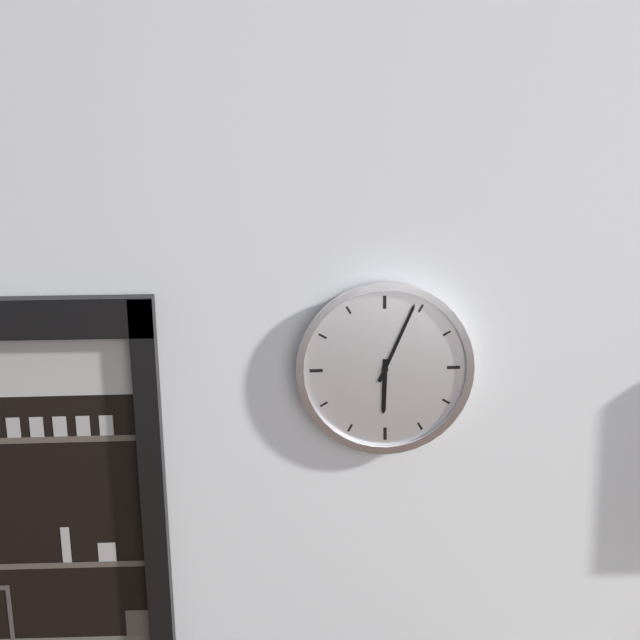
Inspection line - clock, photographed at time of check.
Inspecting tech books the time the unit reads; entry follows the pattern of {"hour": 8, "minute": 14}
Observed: {"hour": 6, "minute": 4}
